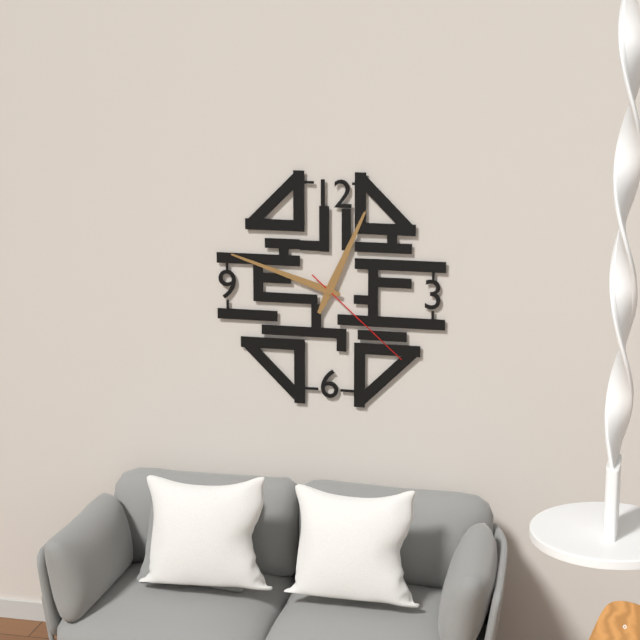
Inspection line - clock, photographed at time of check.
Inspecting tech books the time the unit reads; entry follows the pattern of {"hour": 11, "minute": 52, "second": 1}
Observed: {"hour": 12, "minute": 48, "second": 22}
